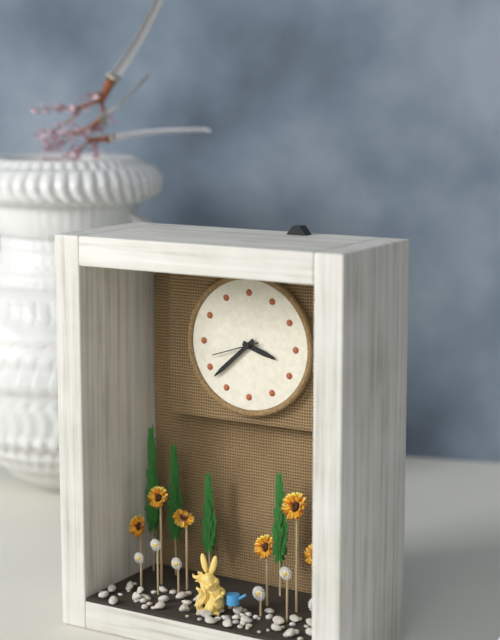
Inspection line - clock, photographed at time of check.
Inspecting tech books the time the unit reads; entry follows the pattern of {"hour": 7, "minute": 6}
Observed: {"hour": 3, "minute": 38}
